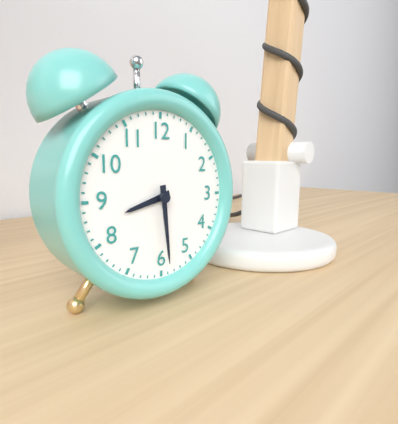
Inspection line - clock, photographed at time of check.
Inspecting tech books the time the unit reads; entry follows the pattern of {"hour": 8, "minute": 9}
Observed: {"hour": 8, "minute": 29}
